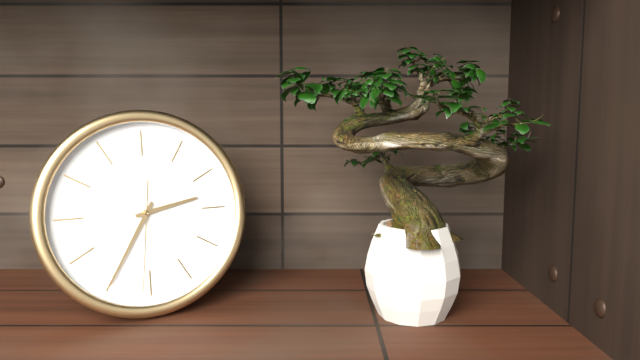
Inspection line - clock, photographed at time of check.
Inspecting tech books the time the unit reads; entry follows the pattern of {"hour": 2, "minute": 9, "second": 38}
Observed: {"hour": 2, "minute": 35, "second": 31}
